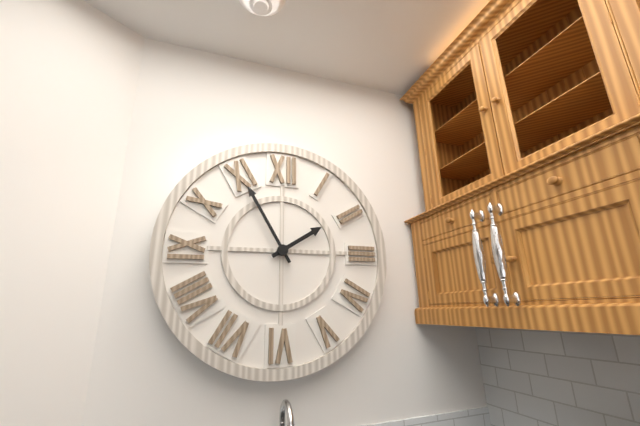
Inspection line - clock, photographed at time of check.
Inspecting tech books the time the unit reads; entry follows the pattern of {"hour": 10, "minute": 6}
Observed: {"hour": 1, "minute": 55}
